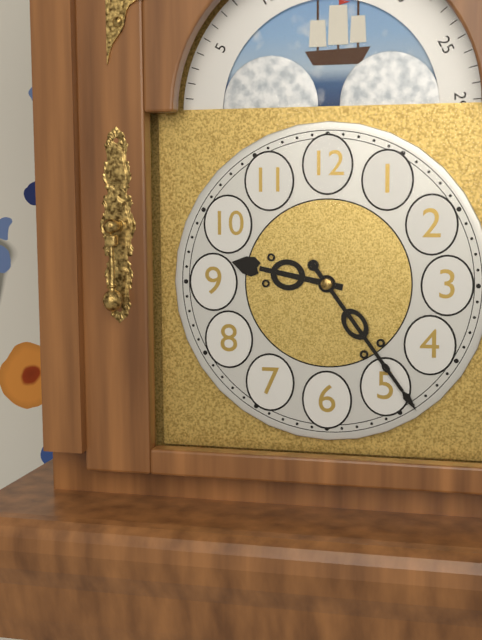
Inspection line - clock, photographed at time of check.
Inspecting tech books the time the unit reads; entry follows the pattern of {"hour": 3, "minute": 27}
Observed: {"hour": 9, "minute": 24}
